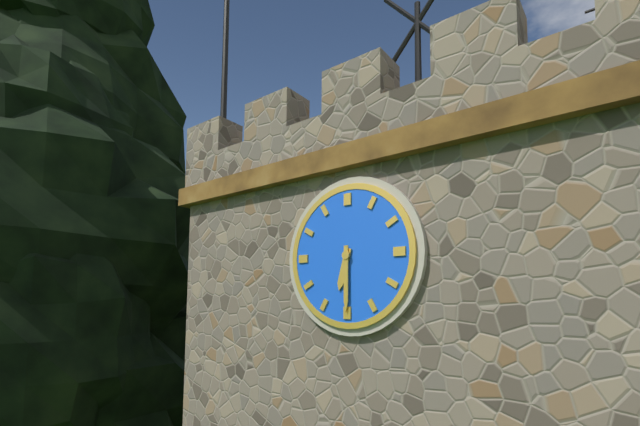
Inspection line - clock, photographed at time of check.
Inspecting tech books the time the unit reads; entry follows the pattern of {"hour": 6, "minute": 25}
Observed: {"hour": 6, "minute": 30}
